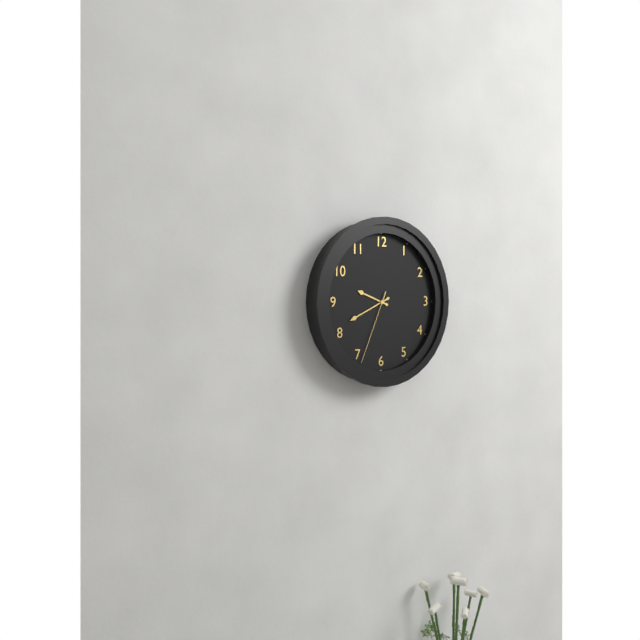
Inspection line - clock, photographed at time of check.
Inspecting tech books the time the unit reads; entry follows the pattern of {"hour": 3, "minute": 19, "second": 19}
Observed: {"hour": 9, "minute": 41, "second": 34}
